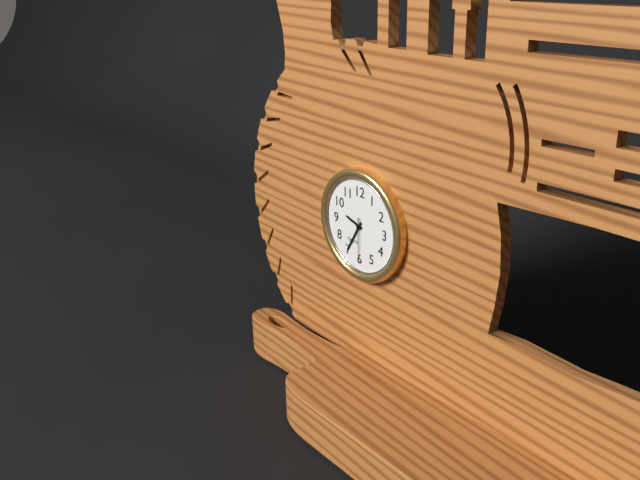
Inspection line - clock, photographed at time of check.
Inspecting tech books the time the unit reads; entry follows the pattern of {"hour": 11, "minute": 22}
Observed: {"hour": 9, "minute": 35}
